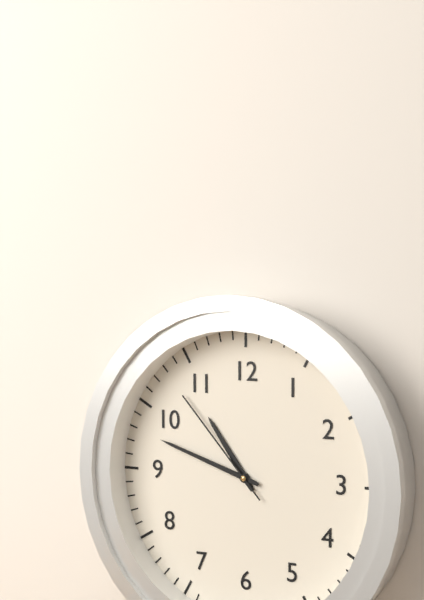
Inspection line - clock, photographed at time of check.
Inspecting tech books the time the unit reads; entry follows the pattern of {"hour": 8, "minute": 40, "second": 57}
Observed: {"hour": 10, "minute": 48, "second": 53}
